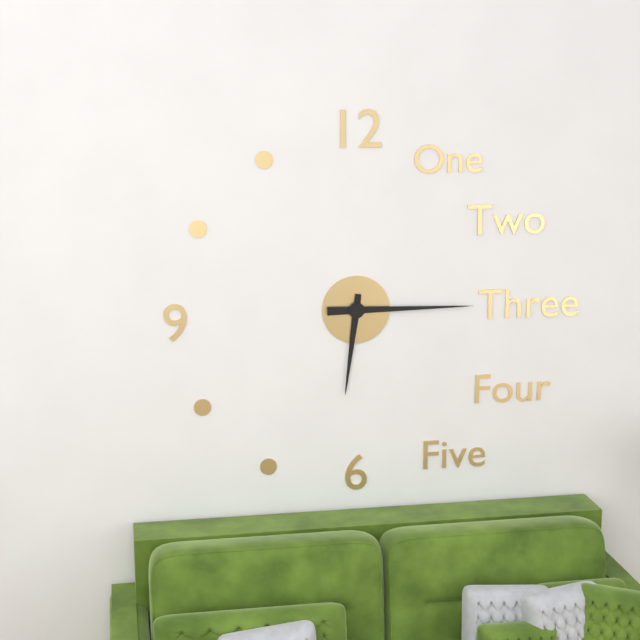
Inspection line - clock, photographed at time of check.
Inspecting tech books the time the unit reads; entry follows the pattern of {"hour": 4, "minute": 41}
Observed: {"hour": 6, "minute": 15}
